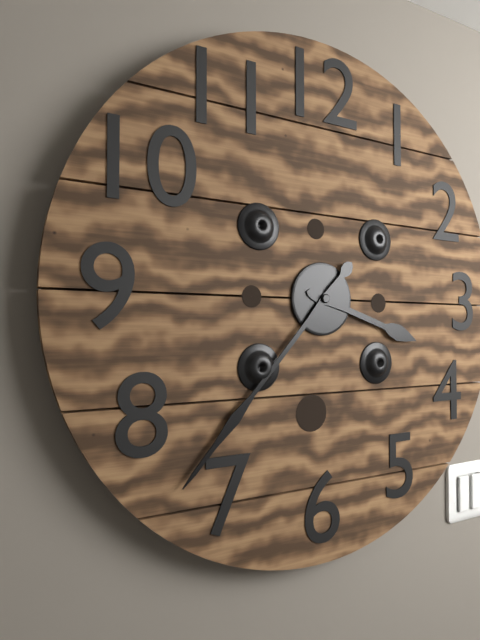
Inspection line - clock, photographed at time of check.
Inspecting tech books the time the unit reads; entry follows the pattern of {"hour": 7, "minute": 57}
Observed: {"hour": 3, "minute": 37}
